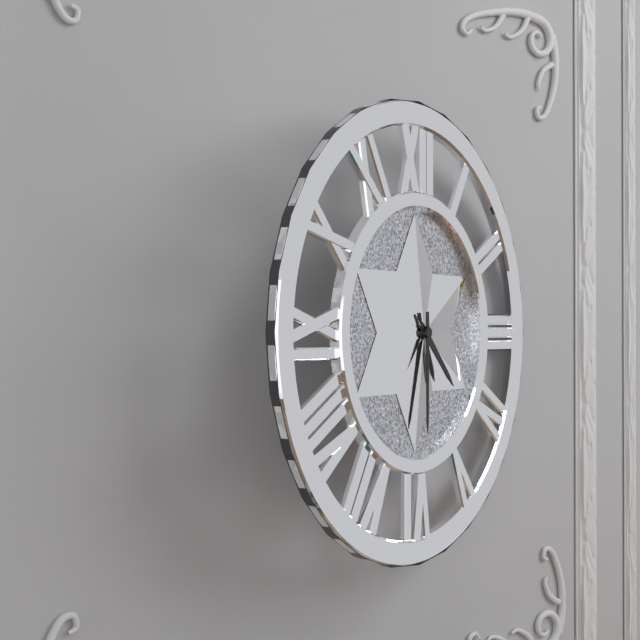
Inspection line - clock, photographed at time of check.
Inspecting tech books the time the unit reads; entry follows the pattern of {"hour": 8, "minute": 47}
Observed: {"hour": 4, "minute": 30}
